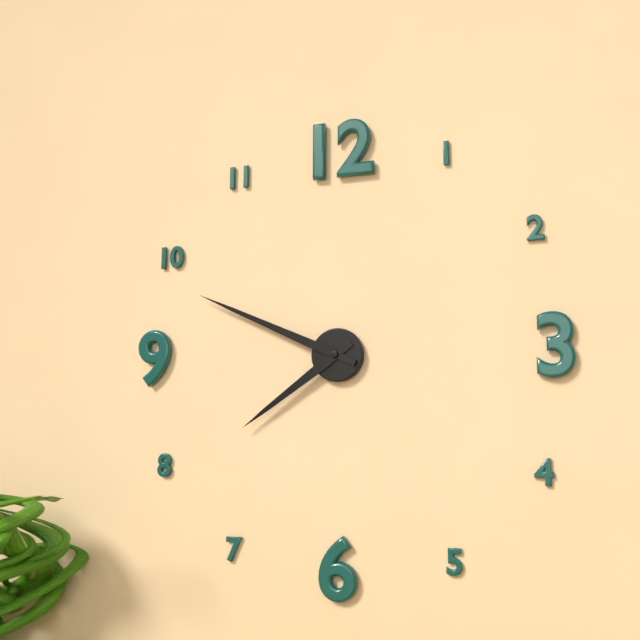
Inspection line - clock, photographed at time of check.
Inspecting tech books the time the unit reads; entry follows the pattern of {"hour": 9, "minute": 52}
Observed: {"hour": 7, "minute": 49}
